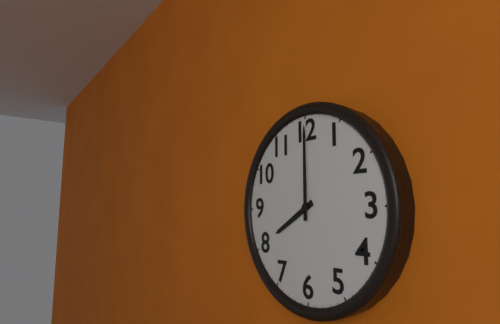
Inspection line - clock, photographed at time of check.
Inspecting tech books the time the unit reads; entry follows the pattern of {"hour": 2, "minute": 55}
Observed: {"hour": 8, "minute": 0}
